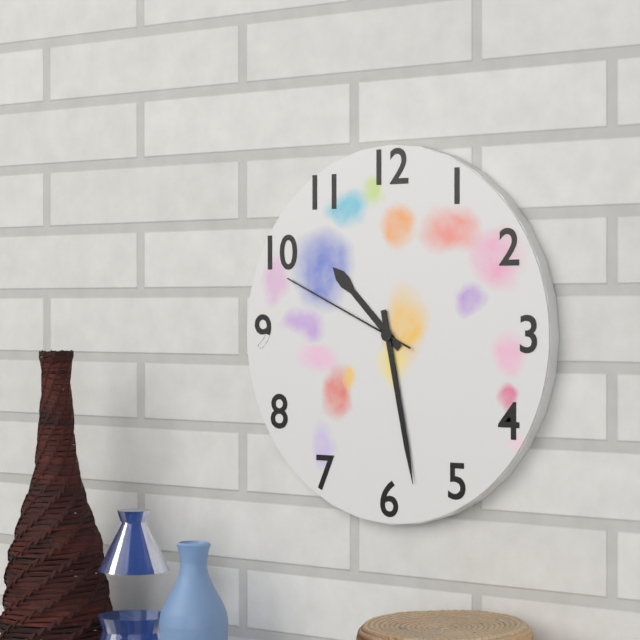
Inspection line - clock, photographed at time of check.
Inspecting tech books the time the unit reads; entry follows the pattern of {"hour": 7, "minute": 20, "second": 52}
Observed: {"hour": 10, "minute": 28, "second": 49}
